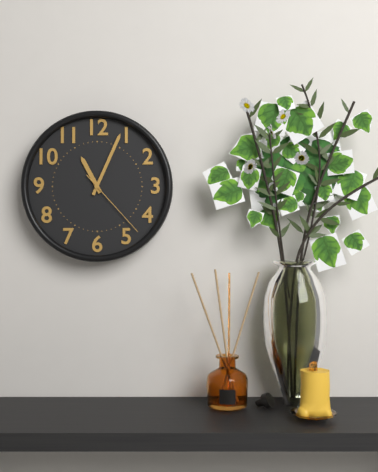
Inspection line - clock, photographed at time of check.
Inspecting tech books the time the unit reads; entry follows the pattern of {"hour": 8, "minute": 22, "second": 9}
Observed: {"hour": 11, "minute": 4, "second": 23}
